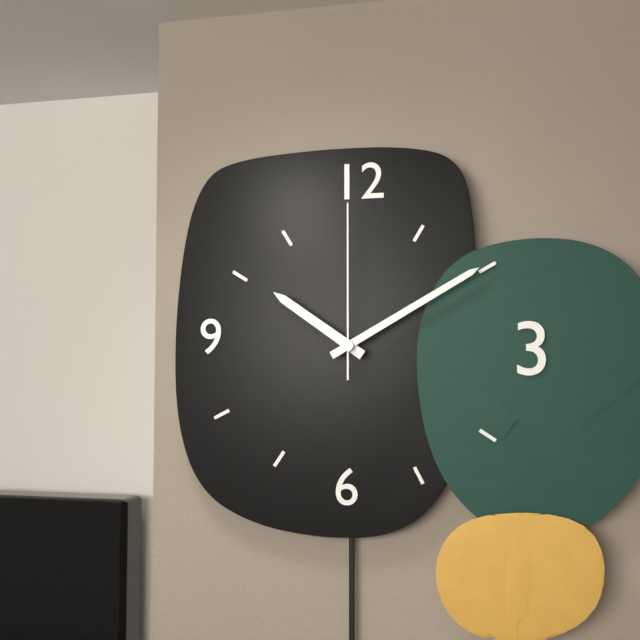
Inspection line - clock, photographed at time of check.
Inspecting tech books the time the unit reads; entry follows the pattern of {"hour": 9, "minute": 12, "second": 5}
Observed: {"hour": 10, "minute": 10, "second": 0}
